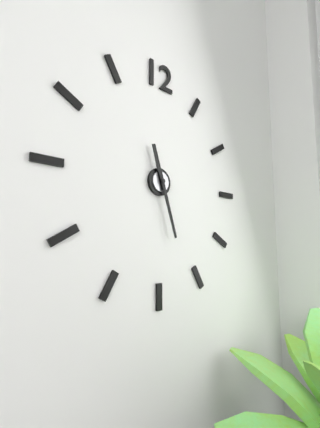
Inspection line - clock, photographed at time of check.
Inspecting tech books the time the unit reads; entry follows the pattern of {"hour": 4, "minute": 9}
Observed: {"hour": 11, "minute": 27}
